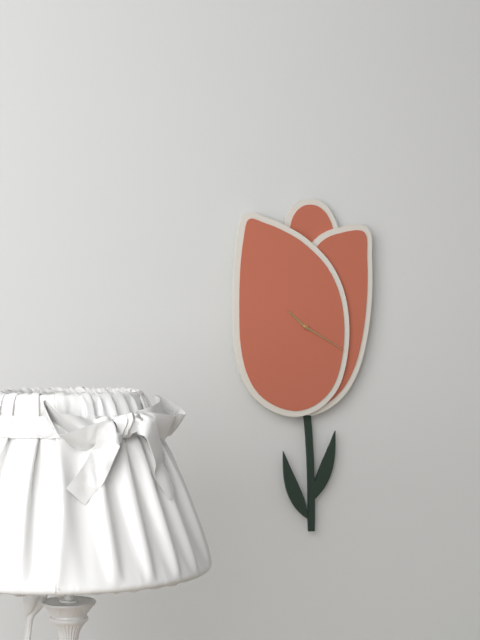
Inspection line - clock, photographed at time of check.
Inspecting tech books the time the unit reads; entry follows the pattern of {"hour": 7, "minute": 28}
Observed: {"hour": 10, "minute": 20}
